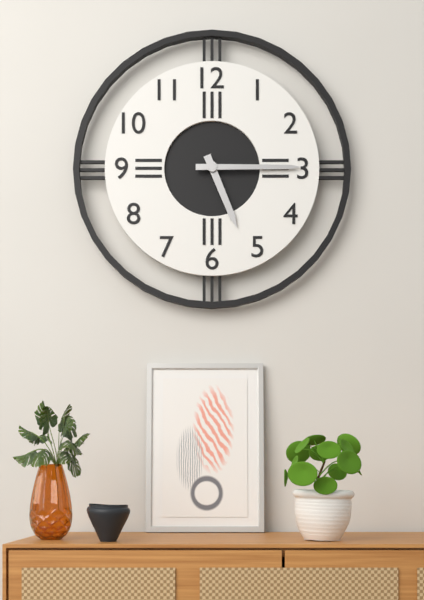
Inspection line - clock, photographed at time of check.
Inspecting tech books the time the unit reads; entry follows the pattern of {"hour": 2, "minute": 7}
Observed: {"hour": 5, "minute": 15}
